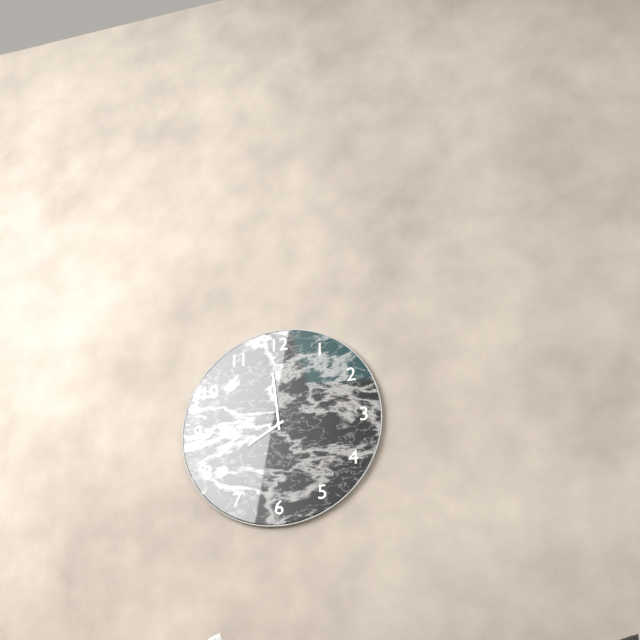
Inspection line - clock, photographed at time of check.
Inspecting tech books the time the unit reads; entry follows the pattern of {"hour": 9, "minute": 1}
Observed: {"hour": 7, "minute": 59}
